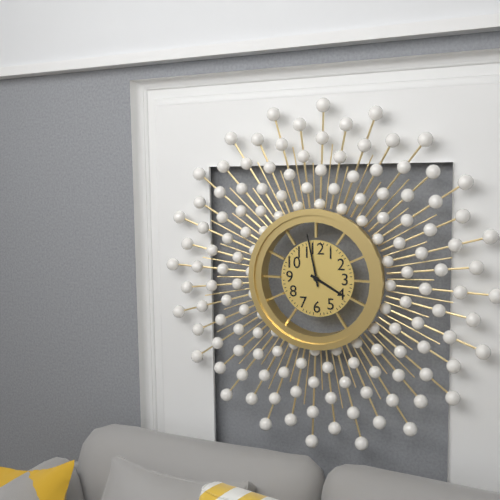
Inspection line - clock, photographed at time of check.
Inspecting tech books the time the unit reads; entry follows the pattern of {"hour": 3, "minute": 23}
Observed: {"hour": 3, "minute": 58}
